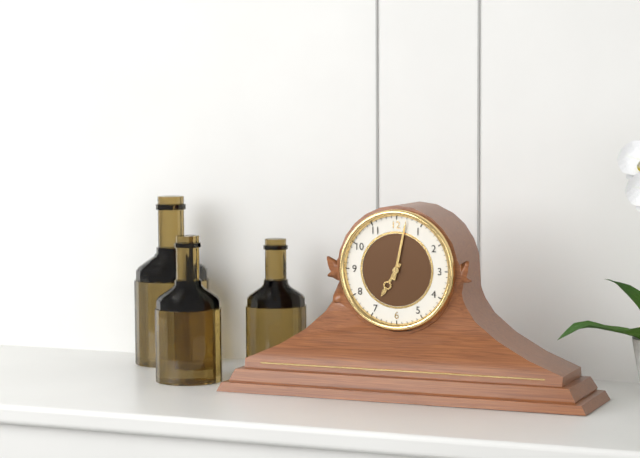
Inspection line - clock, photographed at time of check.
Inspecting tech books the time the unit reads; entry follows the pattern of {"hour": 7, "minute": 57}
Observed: {"hour": 7, "minute": 2}
